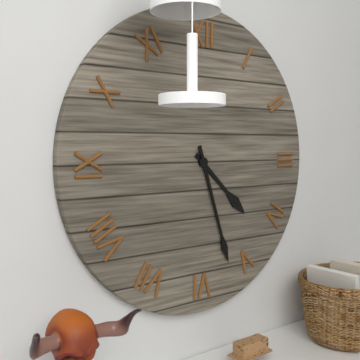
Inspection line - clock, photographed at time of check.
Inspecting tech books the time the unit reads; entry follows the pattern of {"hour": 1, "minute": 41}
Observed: {"hour": 4, "minute": 27}
